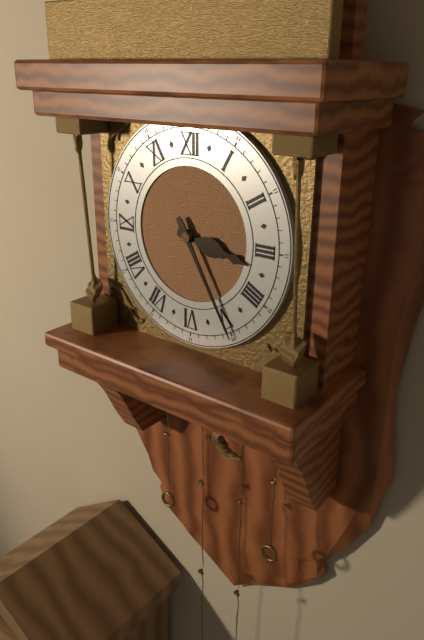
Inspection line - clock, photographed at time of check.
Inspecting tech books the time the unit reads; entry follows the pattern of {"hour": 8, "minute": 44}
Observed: {"hour": 3, "minute": 25}
